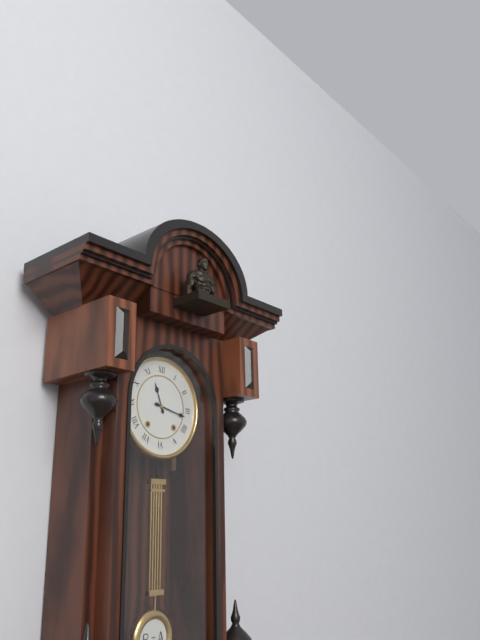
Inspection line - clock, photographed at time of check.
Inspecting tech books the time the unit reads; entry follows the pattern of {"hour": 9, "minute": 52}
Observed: {"hour": 11, "minute": 17}
